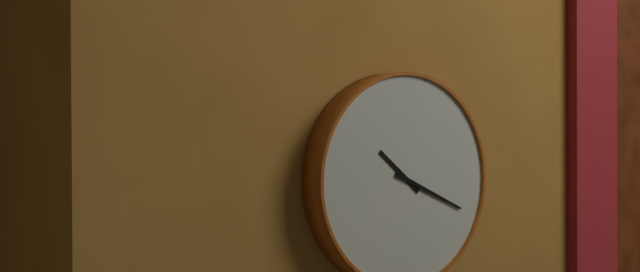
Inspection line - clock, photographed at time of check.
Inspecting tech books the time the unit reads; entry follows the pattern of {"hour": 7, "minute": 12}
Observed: {"hour": 10, "minute": 19}
